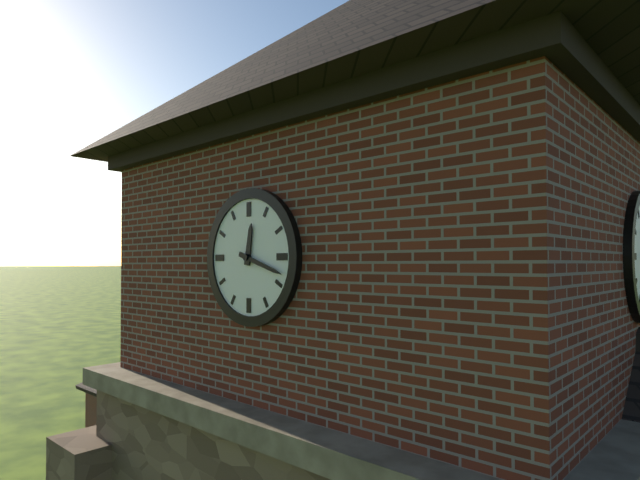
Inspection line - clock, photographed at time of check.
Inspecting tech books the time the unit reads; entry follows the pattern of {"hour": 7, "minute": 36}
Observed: {"hour": 12, "minute": 18}
